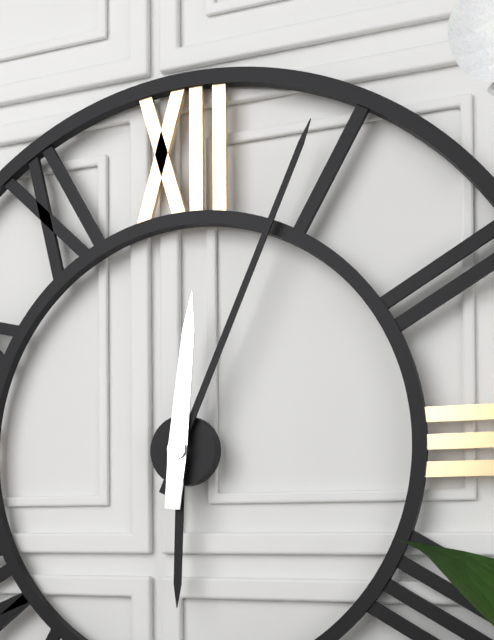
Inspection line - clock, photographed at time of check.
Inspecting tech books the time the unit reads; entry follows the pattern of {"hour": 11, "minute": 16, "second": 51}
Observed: {"hour": 6, "minute": 4, "second": 1}
